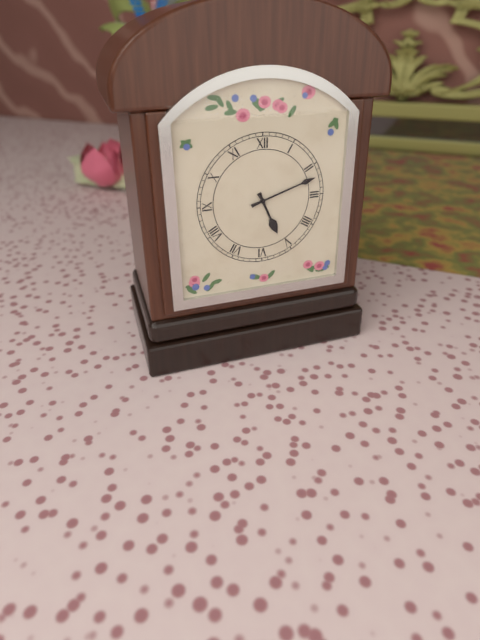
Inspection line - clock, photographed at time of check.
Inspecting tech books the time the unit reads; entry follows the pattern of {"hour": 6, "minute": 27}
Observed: {"hour": 5, "minute": 12}
